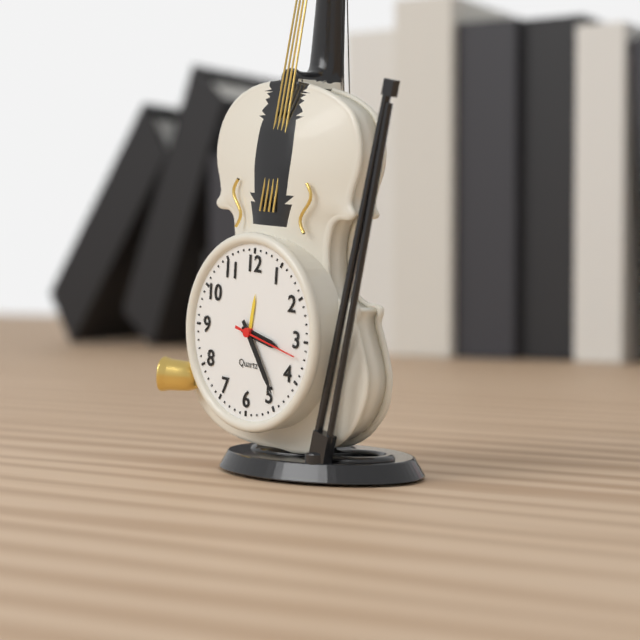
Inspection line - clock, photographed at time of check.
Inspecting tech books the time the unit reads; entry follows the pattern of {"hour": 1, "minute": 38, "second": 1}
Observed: {"hour": 3, "minute": 24, "second": 17}
